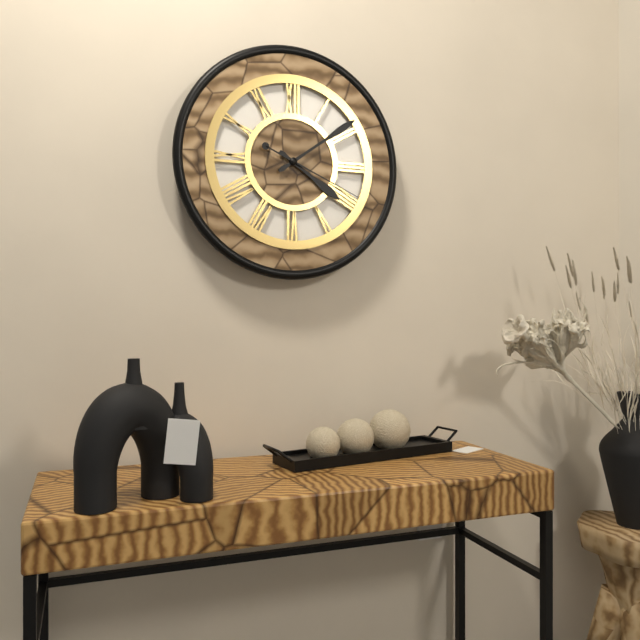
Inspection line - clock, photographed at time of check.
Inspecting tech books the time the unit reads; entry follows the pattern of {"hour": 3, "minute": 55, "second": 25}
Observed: {"hour": 4, "minute": 9, "second": 19}
